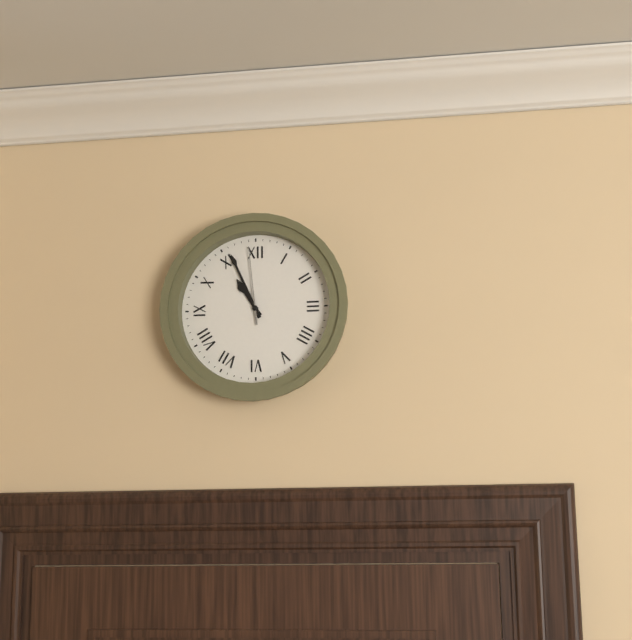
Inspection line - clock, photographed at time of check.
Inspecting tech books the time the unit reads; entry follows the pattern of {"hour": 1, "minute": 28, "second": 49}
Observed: {"hour": 10, "minute": 56, "second": 59}
